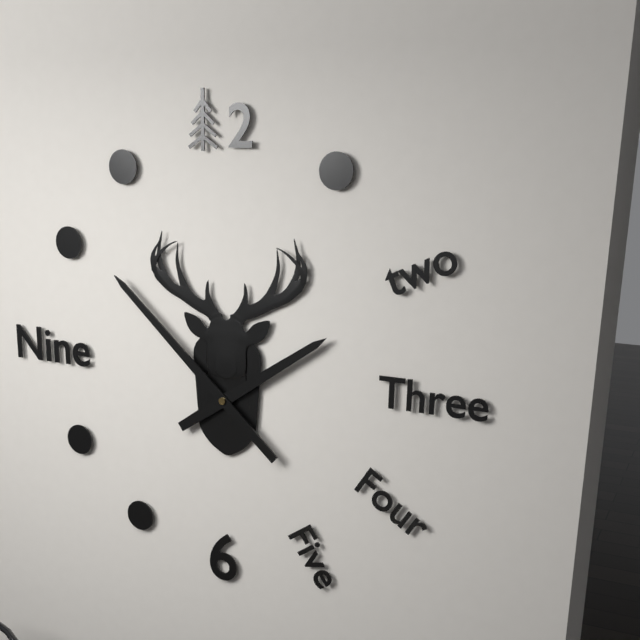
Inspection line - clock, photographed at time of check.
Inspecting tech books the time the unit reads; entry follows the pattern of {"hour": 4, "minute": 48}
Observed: {"hour": 1, "minute": 52}
